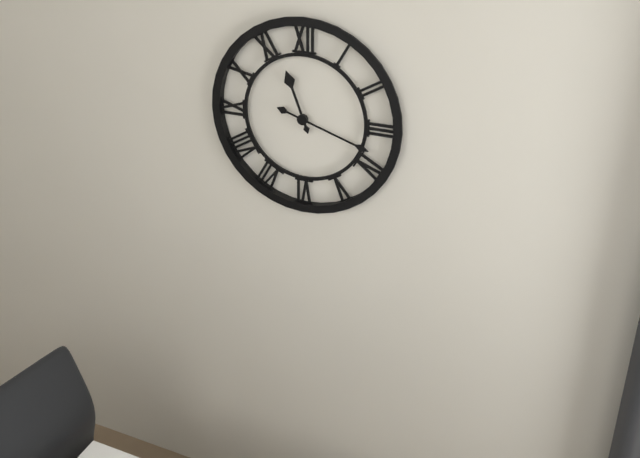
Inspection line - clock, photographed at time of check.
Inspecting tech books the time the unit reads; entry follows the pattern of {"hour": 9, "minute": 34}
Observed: {"hour": 11, "minute": 18}
